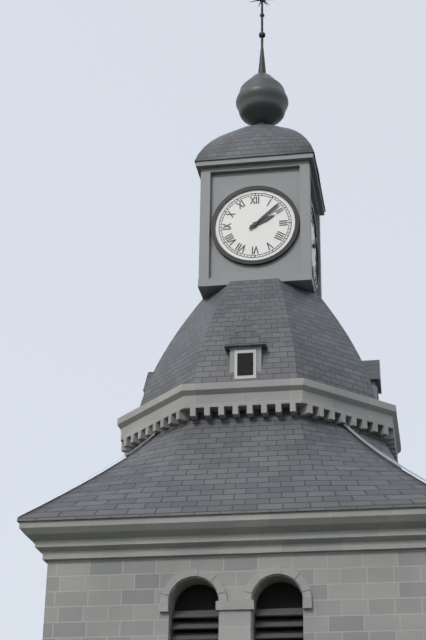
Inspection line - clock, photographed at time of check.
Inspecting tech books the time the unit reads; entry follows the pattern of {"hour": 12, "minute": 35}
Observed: {"hour": 2, "minute": 8}
